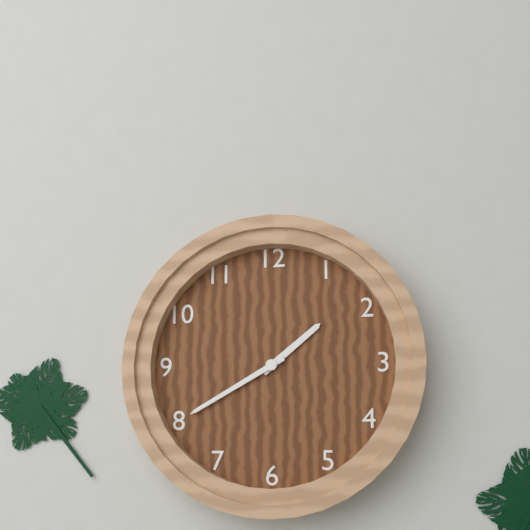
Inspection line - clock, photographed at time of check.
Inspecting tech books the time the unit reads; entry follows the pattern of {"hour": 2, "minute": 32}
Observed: {"hour": 1, "minute": 40}
